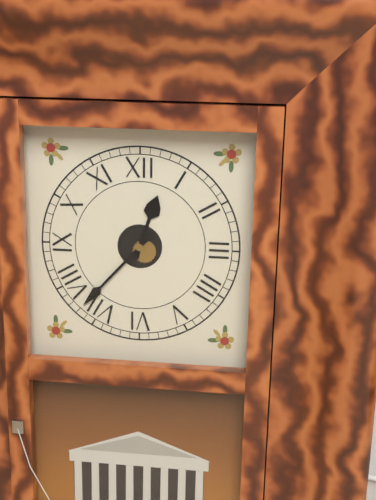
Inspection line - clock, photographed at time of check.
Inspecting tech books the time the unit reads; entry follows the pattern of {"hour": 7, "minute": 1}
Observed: {"hour": 12, "minute": 37}
